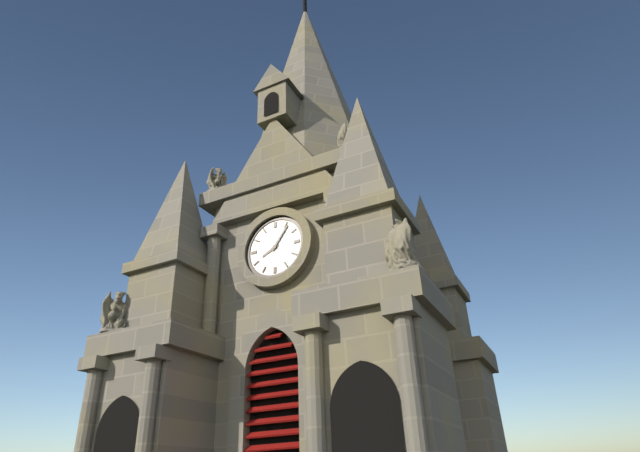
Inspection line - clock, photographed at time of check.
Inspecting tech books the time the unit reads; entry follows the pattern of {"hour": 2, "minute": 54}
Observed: {"hour": 8, "minute": 6}
